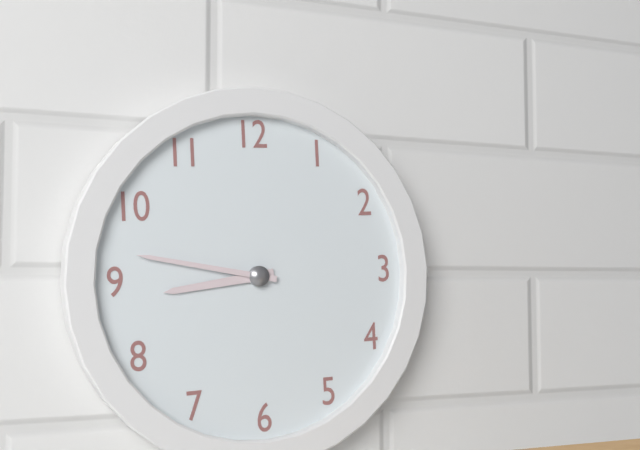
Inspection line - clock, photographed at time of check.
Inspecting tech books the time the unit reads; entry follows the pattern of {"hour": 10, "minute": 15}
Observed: {"hour": 8, "minute": 47}
